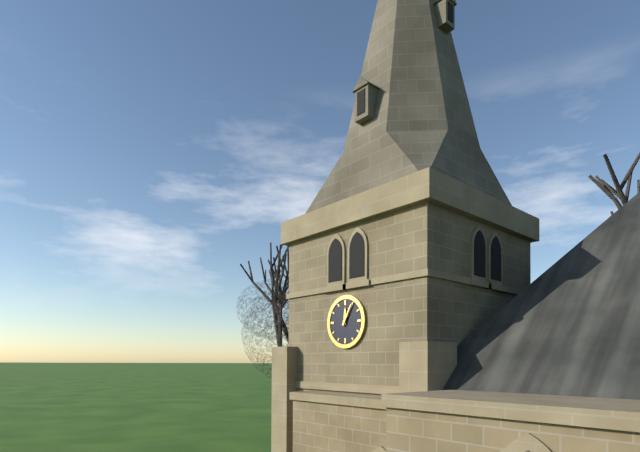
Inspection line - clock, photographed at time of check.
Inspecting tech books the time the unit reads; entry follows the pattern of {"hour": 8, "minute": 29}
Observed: {"hour": 12, "minute": 5}
